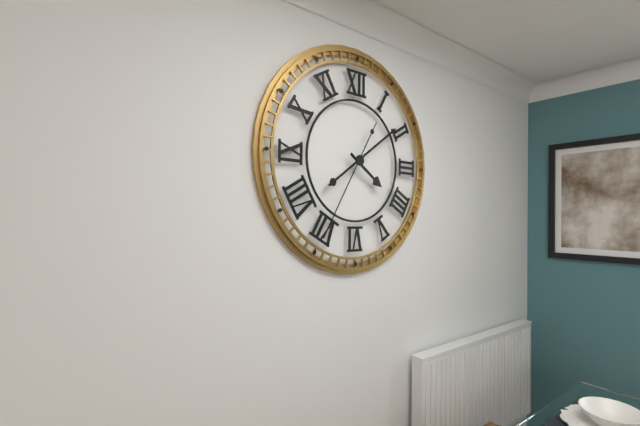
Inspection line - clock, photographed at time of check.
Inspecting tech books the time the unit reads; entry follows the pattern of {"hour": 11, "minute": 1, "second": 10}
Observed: {"hour": 4, "minute": 9, "second": 35}
